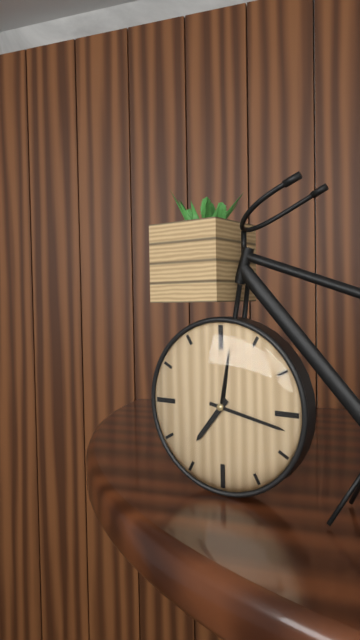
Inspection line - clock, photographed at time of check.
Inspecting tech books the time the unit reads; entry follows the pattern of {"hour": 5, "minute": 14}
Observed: {"hour": 7, "minute": 17}
